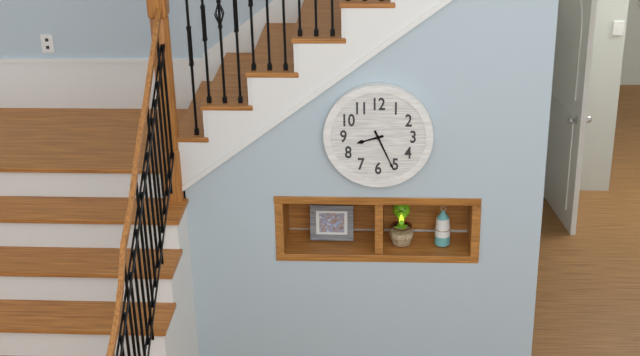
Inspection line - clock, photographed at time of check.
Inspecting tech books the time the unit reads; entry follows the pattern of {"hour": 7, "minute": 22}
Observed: {"hour": 8, "minute": 26}
